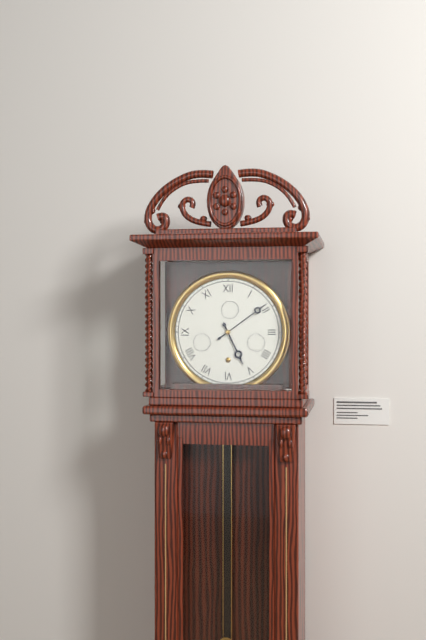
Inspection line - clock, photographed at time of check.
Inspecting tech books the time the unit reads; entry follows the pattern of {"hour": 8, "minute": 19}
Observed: {"hour": 5, "minute": 9}
